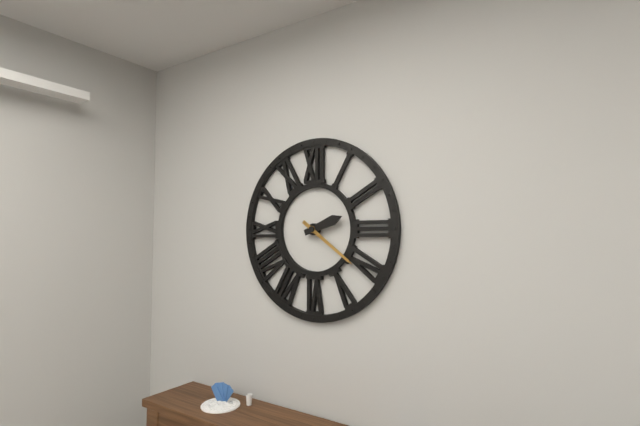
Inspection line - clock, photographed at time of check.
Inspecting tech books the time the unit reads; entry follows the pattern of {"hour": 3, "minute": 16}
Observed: {"hour": 2, "minute": 21}
